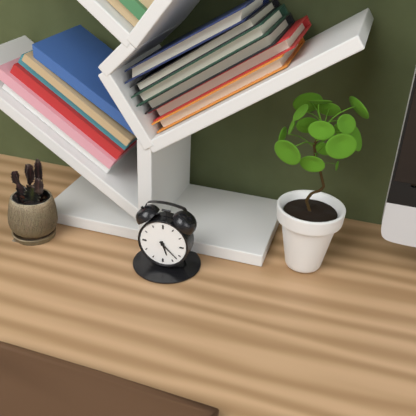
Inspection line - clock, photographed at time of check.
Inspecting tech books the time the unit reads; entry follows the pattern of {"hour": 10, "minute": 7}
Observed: {"hour": 5, "minute": 22}
